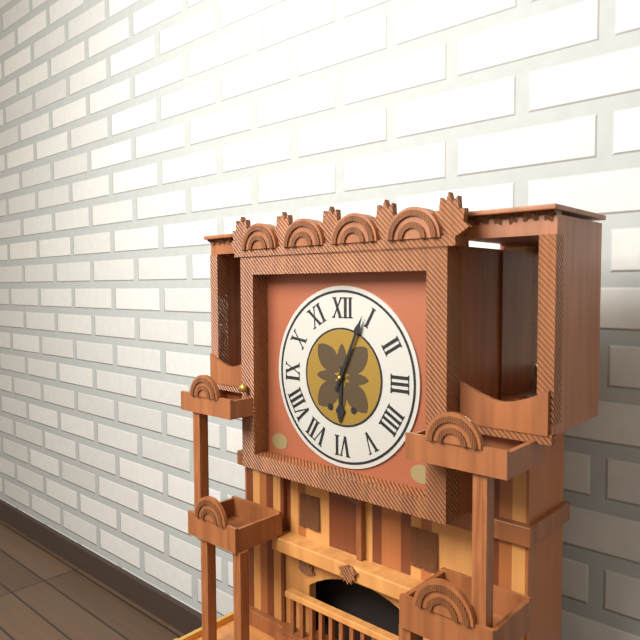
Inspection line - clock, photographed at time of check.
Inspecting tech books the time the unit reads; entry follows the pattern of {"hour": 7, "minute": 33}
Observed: {"hour": 6, "minute": 4}
